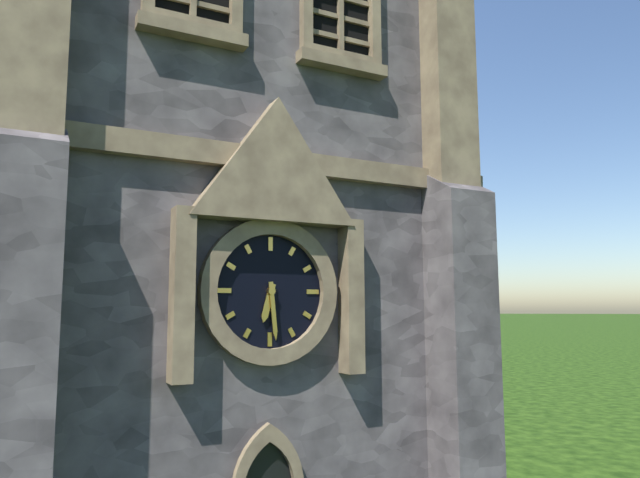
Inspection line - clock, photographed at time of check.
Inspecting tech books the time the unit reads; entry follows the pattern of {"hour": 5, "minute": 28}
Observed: {"hour": 6, "minute": 29}
